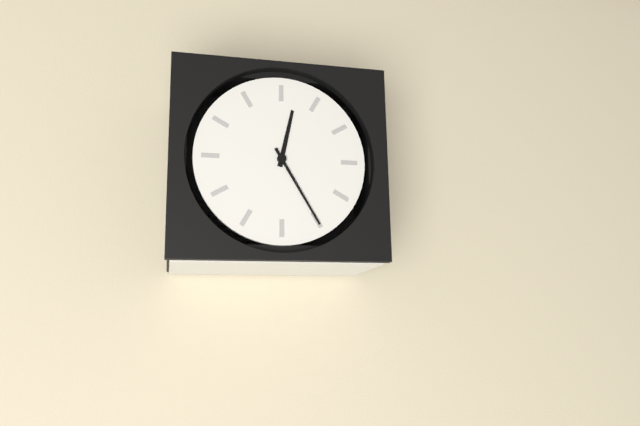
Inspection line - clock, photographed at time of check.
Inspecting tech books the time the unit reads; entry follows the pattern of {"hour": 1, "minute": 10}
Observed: {"hour": 12, "minute": 25}
